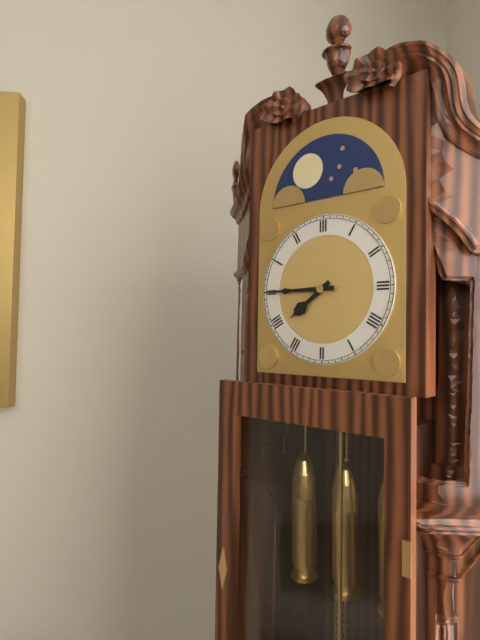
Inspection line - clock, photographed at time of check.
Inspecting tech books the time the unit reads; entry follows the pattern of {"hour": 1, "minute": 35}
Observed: {"hour": 7, "minute": 45}
